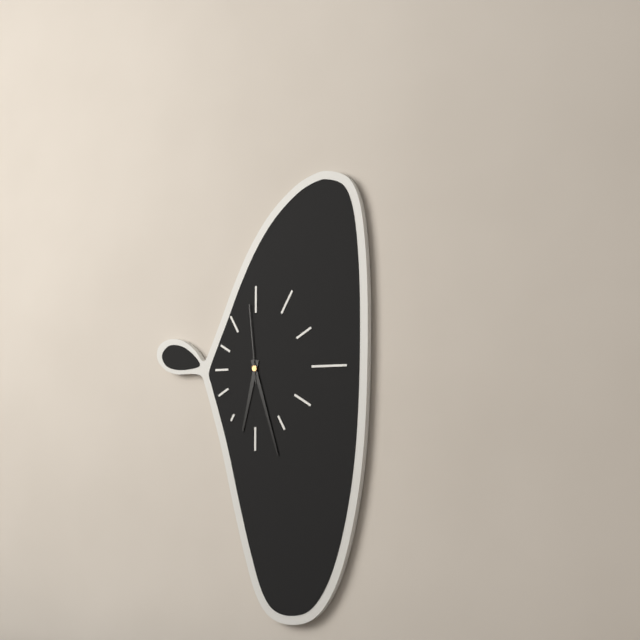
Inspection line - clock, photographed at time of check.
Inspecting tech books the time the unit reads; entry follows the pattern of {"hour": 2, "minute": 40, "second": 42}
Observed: {"hour": 6, "minute": 27, "second": 59}
